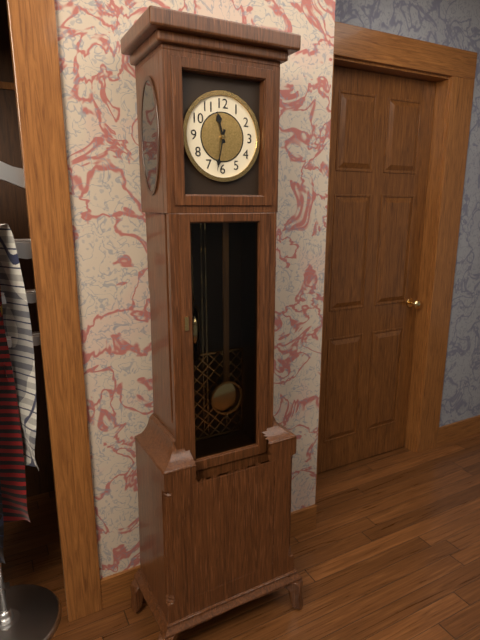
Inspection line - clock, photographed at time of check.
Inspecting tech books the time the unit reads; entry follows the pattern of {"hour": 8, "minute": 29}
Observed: {"hour": 11, "minute": 32}
